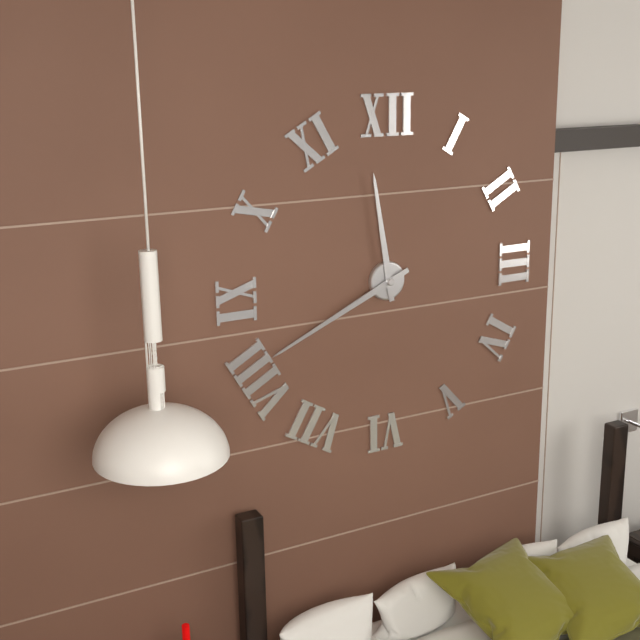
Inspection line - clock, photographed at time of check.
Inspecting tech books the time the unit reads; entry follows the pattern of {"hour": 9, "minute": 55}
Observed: {"hour": 11, "minute": 41}
